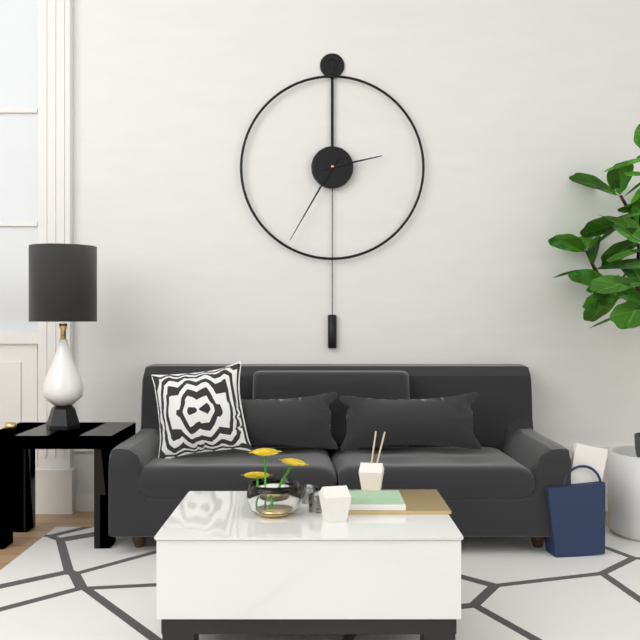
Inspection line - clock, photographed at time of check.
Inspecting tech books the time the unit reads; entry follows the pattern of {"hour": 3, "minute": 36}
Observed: {"hour": 2, "minute": 35}
